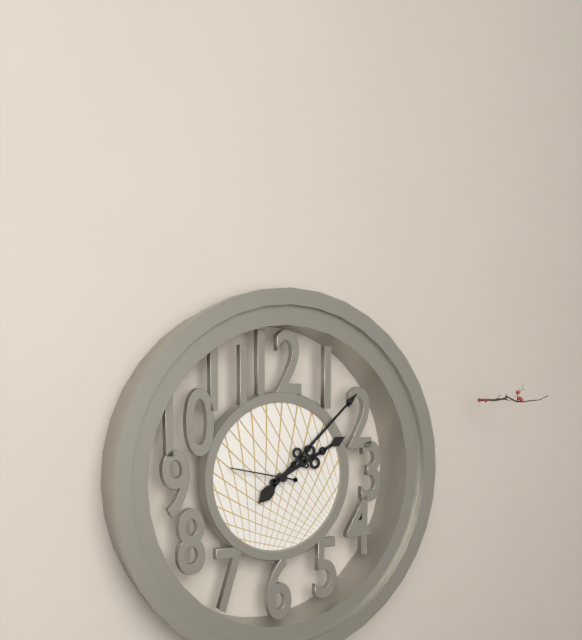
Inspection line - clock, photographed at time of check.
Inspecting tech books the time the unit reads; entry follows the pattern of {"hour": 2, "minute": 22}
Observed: {"hour": 2, "minute": 8}
